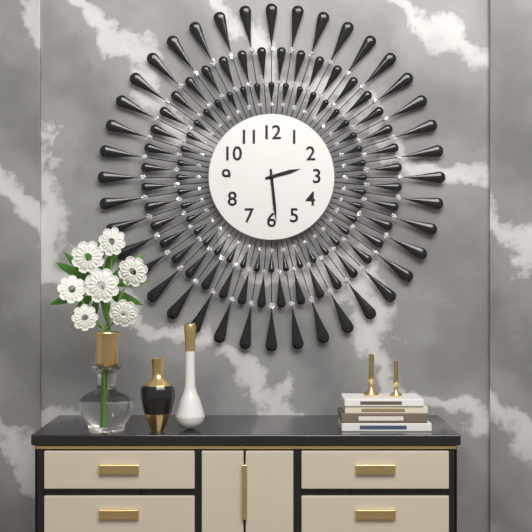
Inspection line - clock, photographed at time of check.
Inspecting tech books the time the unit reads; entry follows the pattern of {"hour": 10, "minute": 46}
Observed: {"hour": 2, "minute": 29}
